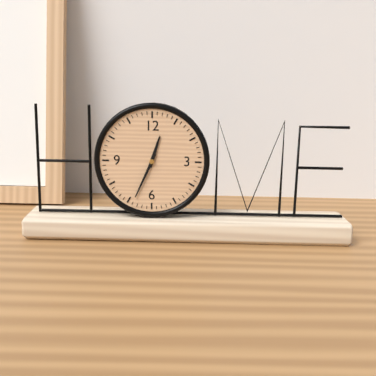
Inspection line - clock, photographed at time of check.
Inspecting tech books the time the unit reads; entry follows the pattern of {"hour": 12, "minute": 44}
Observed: {"hour": 12, "minute": 34}
